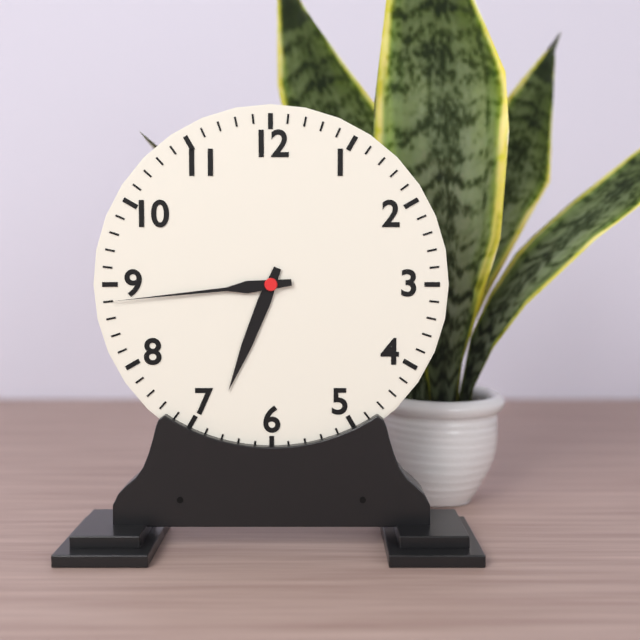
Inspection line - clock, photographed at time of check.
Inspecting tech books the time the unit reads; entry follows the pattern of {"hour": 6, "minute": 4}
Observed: {"hour": 6, "minute": 44}
